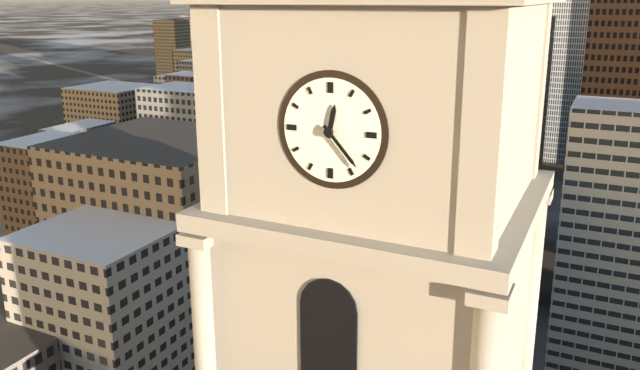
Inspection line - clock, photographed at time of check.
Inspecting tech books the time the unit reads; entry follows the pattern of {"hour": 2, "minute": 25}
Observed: {"hour": 12, "minute": 23}
